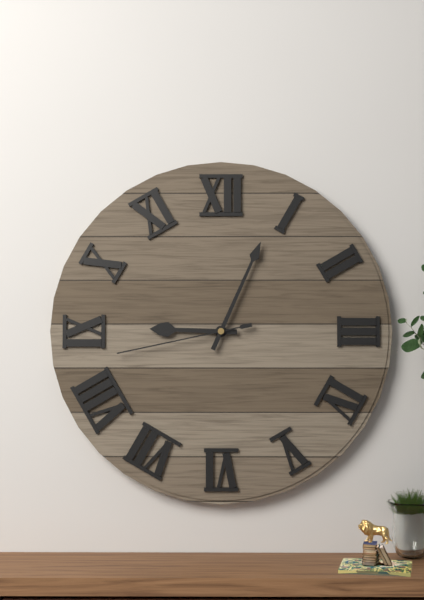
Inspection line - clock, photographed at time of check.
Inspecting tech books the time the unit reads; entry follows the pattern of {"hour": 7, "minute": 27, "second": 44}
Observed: {"hour": 9, "minute": 4, "second": 43}
